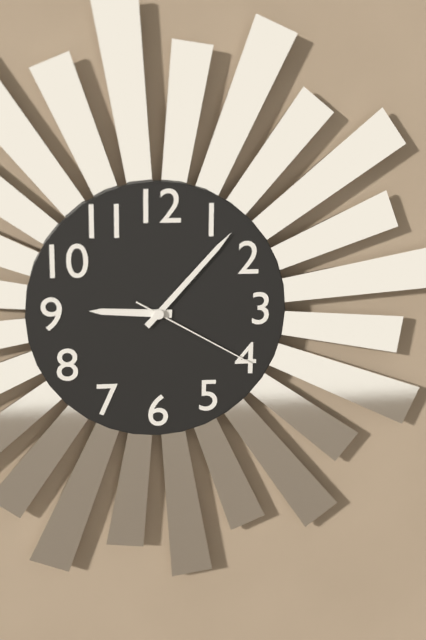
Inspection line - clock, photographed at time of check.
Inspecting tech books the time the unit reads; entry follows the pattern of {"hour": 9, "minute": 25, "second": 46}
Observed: {"hour": 9, "minute": 7, "second": 20}
